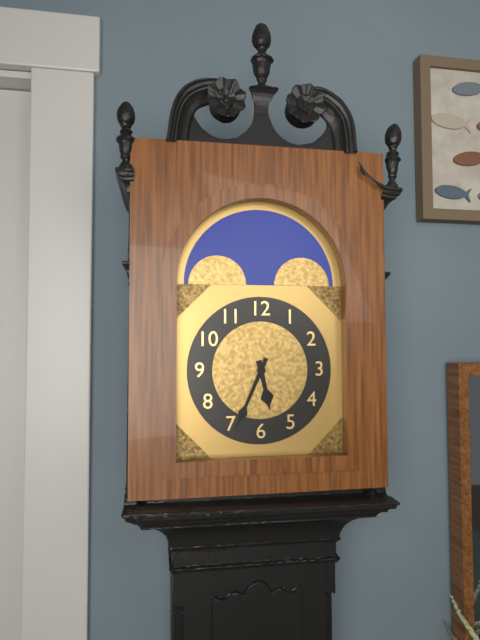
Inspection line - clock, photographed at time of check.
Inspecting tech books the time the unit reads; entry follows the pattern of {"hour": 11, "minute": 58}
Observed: {"hour": 5, "minute": 34}
